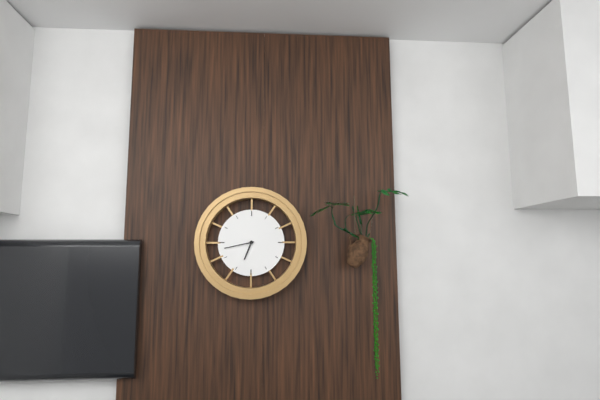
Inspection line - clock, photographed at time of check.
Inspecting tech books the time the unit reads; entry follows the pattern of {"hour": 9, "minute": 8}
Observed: {"hour": 6, "minute": 43}
